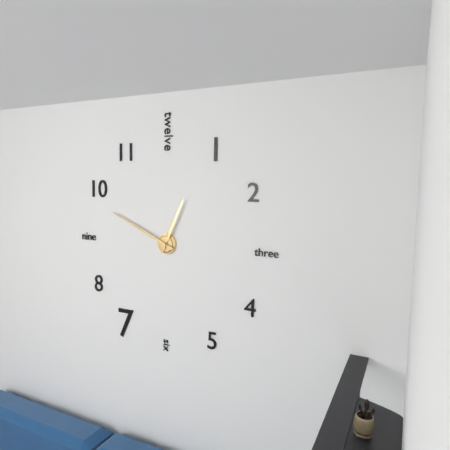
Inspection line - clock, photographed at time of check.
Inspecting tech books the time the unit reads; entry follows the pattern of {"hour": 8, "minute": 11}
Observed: {"hour": 12, "minute": 49}
